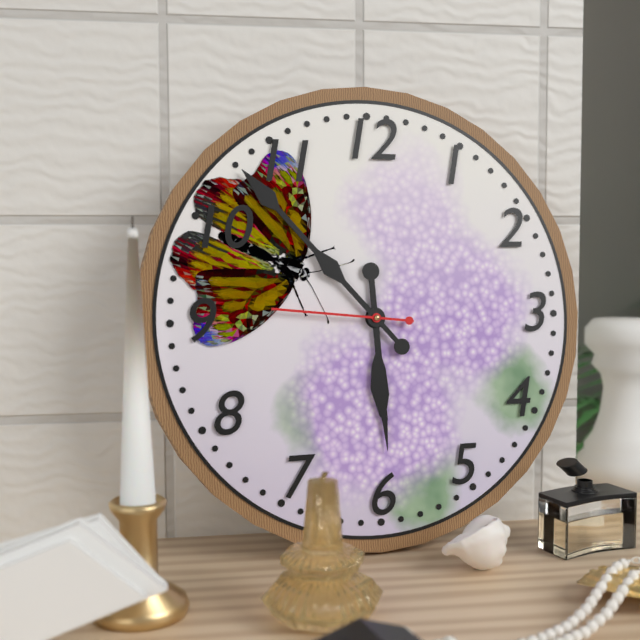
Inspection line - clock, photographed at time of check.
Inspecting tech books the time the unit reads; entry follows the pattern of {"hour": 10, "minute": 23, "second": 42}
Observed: {"hour": 5, "minute": 53, "second": 46}
